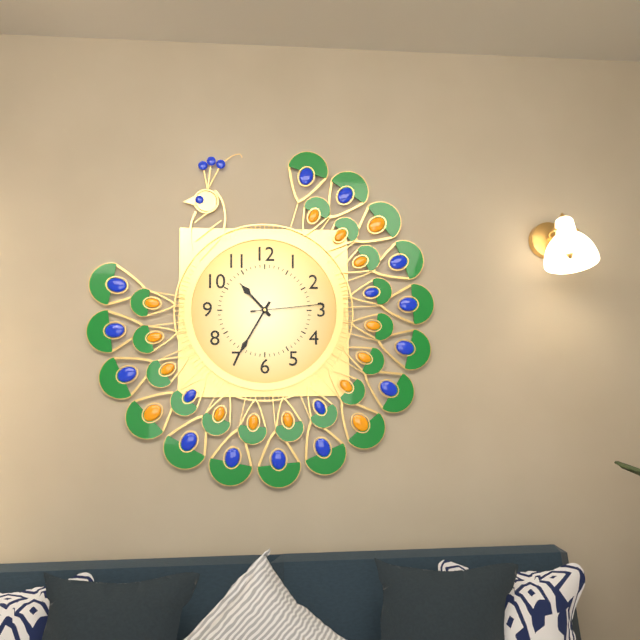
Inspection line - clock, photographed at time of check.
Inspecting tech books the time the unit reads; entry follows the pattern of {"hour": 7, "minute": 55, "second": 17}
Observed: {"hour": 10, "minute": 35, "second": 14}
